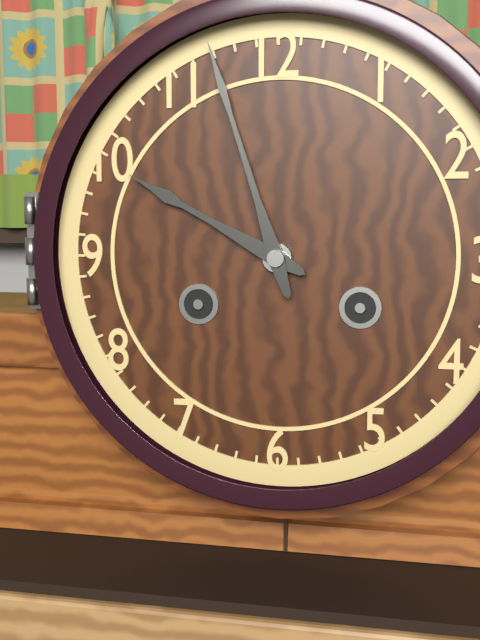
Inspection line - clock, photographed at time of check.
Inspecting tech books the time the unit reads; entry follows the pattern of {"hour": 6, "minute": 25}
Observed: {"hour": 9, "minute": 57}
